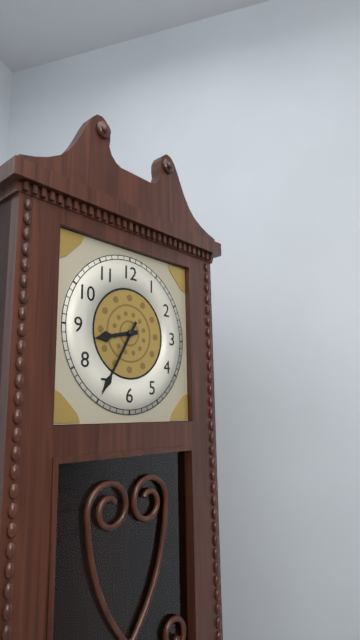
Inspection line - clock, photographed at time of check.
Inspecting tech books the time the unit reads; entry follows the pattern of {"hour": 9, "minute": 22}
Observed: {"hour": 8, "minute": 35}
